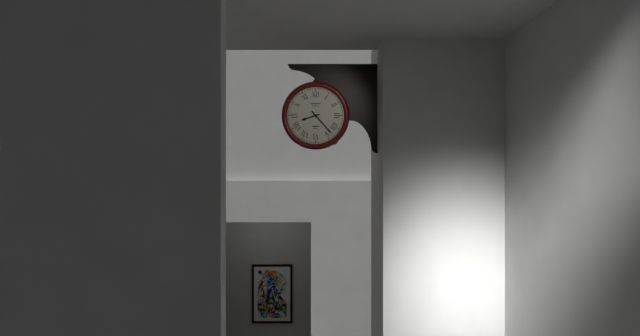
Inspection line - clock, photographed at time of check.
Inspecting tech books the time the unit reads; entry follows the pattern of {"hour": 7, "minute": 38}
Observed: {"hour": 8, "minute": 23}
